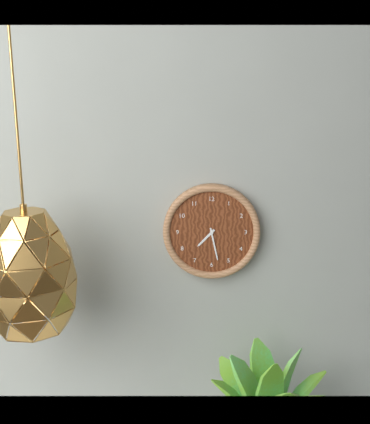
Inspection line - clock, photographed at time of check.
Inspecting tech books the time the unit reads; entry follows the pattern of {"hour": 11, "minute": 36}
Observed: {"hour": 7, "minute": 28}
